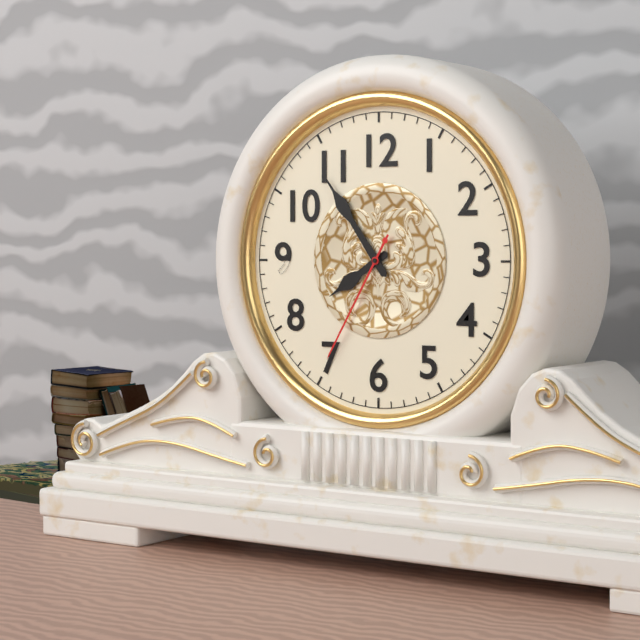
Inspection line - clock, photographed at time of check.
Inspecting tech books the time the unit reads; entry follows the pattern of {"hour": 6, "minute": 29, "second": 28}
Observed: {"hour": 7, "minute": 54, "second": 35}
